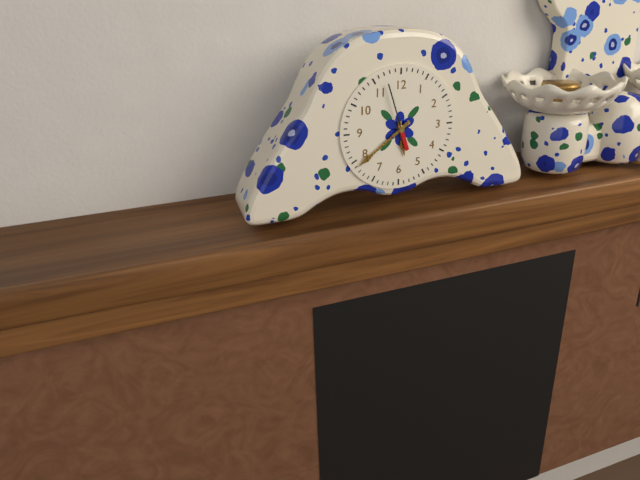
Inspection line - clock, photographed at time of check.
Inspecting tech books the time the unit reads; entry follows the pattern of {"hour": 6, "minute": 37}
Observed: {"hour": 5, "minute": 39}
